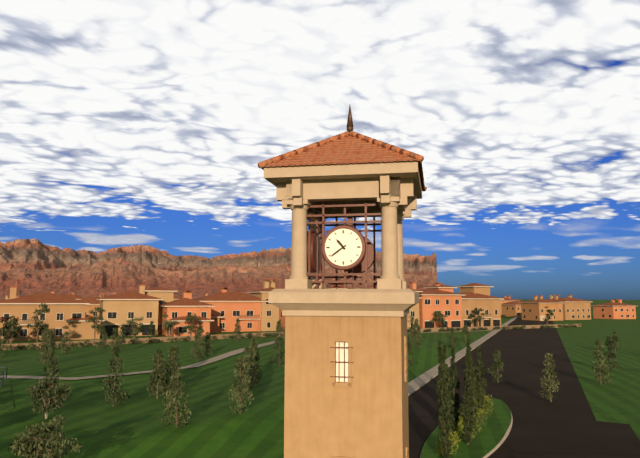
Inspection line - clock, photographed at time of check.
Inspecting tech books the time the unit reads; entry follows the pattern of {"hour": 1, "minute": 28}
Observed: {"hour": 10, "minute": 39}
